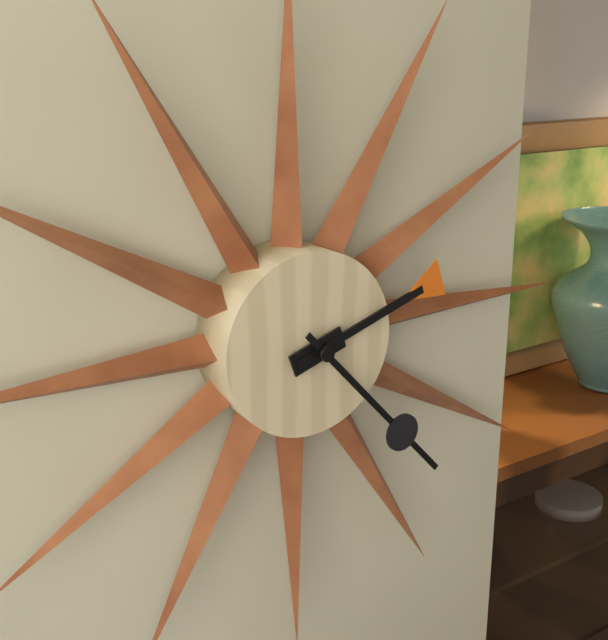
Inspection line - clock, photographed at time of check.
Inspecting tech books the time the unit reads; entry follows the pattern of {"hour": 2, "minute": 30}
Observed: {"hour": 2, "minute": 23}
